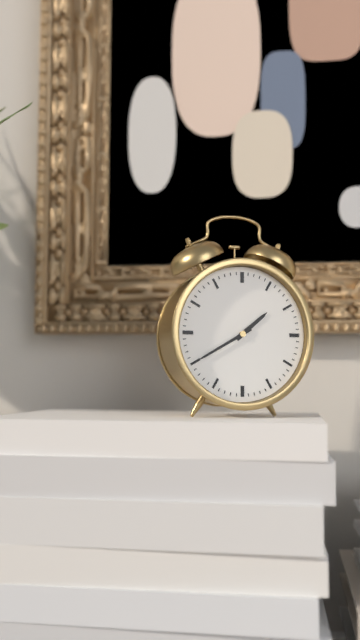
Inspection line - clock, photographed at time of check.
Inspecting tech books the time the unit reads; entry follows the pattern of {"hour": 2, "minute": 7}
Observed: {"hour": 1, "minute": 40}
